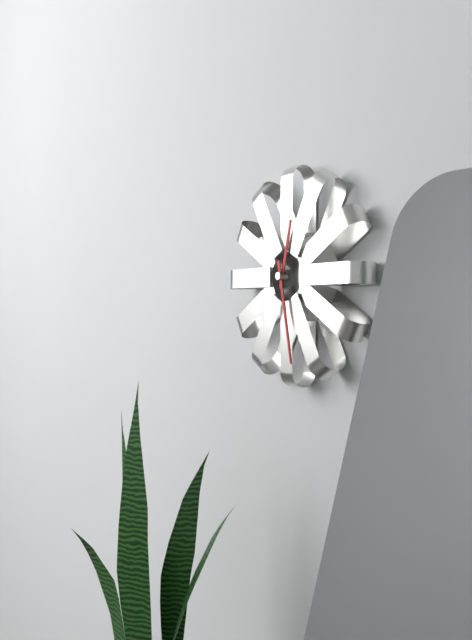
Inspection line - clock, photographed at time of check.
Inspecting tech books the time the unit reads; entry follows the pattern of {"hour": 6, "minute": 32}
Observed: {"hour": 12, "minute": 28}
